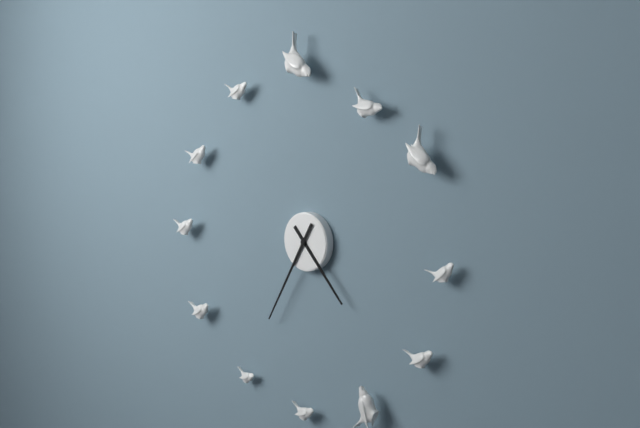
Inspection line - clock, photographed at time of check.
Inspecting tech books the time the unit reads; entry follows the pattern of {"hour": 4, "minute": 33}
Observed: {"hour": 4, "minute": 35}
